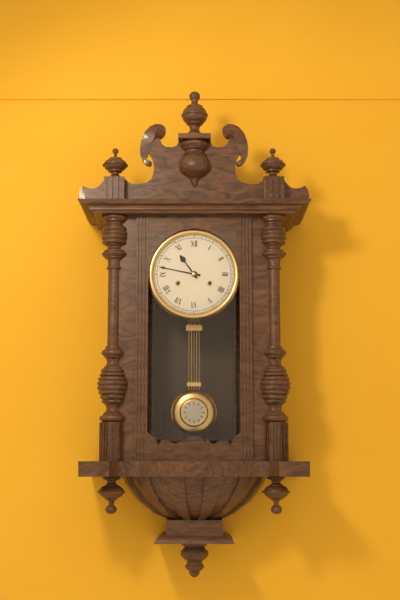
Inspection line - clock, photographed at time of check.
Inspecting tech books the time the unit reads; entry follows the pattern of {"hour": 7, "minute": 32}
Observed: {"hour": 10, "minute": 47}
